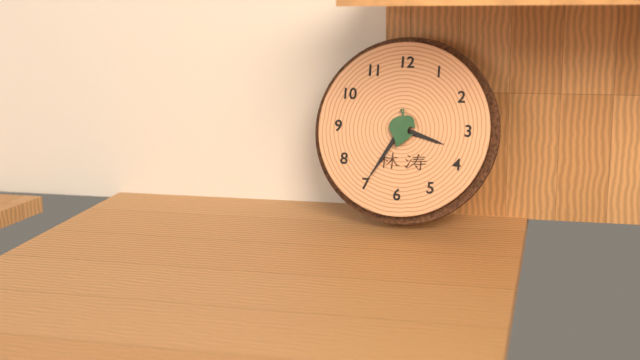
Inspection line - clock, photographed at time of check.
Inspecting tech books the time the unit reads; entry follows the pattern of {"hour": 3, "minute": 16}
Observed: {"hour": 3, "minute": 35}
